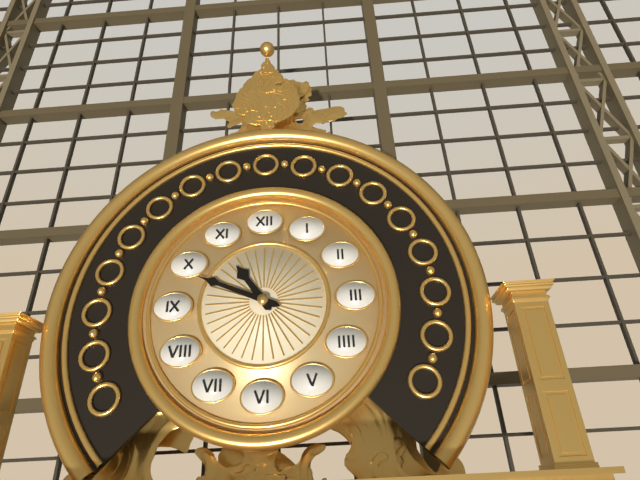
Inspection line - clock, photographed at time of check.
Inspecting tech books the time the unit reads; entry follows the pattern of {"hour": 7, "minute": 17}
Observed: {"hour": 10, "minute": 49}
